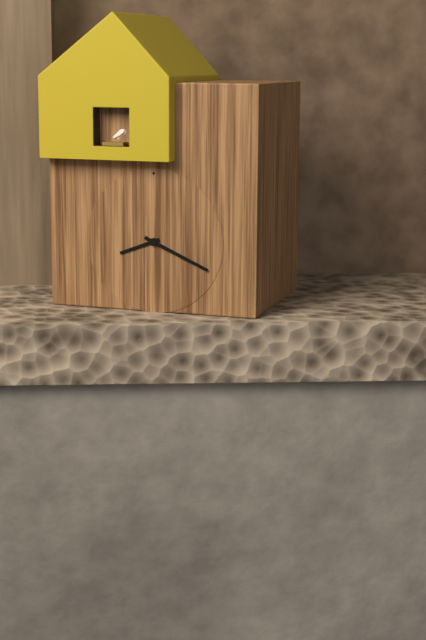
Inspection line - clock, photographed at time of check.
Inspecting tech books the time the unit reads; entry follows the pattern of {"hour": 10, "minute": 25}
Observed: {"hour": 8, "minute": 19}
